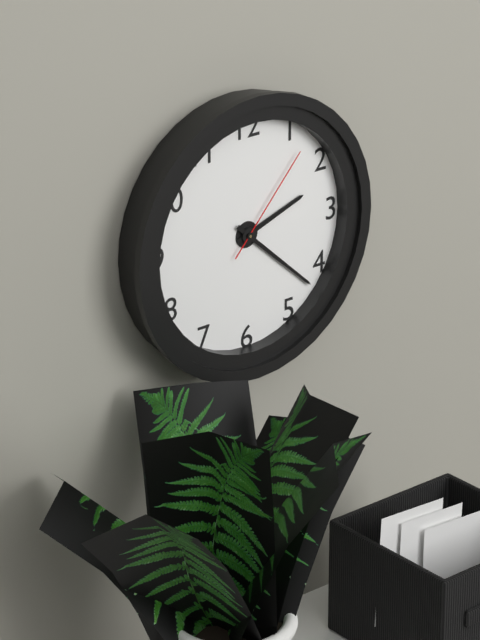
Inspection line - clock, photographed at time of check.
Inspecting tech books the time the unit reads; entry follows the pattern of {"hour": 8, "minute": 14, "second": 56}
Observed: {"hour": 2, "minute": 22, "second": 7}
